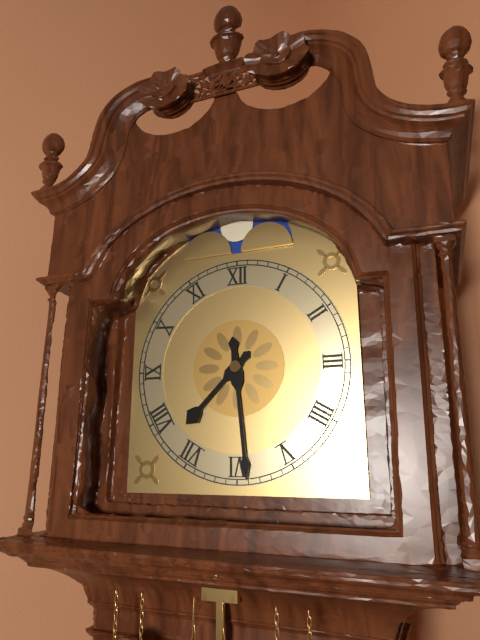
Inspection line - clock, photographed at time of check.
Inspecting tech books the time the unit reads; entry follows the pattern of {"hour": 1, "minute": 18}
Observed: {"hour": 7, "minute": 29}
